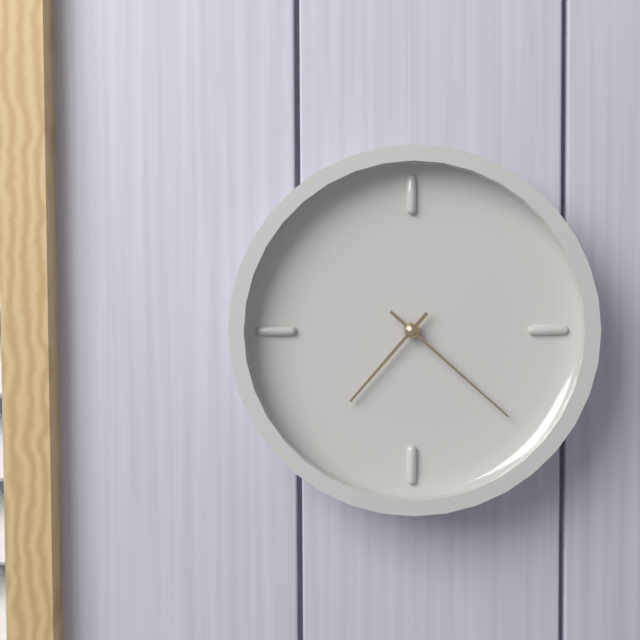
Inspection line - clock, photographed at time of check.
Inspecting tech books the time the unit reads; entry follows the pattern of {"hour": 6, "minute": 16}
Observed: {"hour": 7, "minute": 22}
